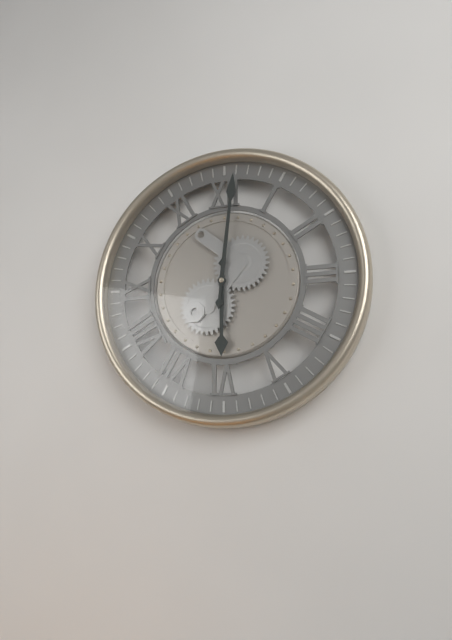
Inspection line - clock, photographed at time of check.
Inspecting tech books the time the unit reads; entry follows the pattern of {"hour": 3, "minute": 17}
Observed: {"hour": 6, "minute": 1}
